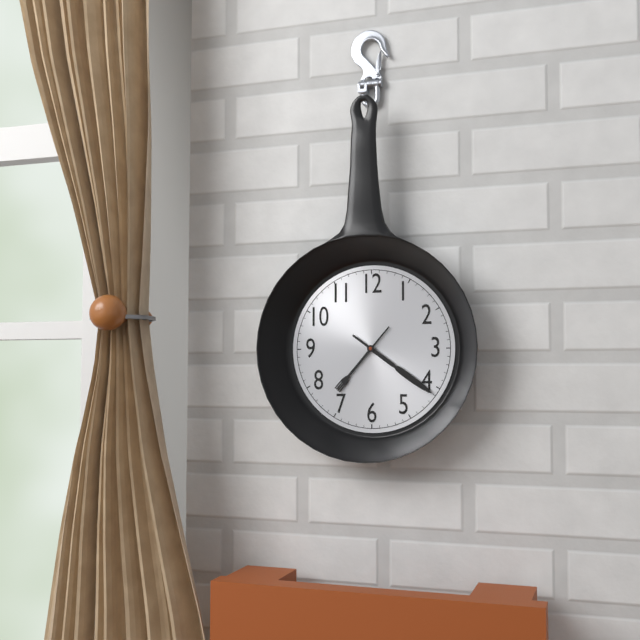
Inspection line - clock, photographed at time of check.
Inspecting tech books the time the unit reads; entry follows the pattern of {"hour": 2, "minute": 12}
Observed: {"hour": 7, "minute": 21}
